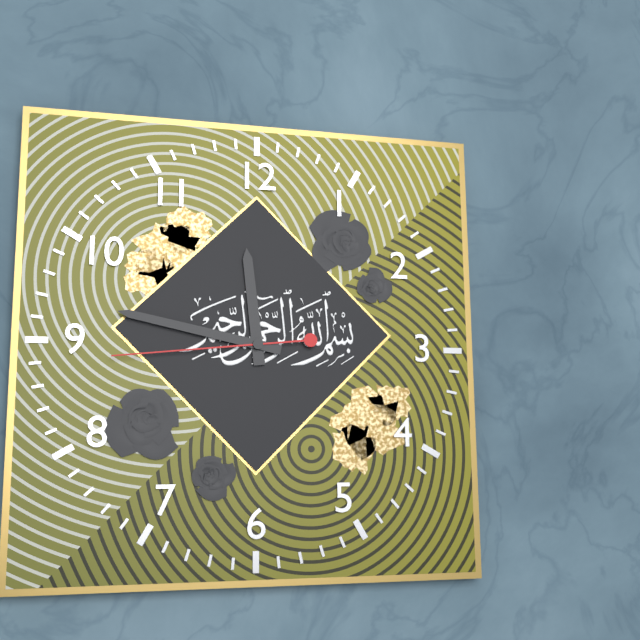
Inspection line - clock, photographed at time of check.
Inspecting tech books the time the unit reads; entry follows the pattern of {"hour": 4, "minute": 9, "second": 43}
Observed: {"hour": 11, "minute": 47, "second": 44}
